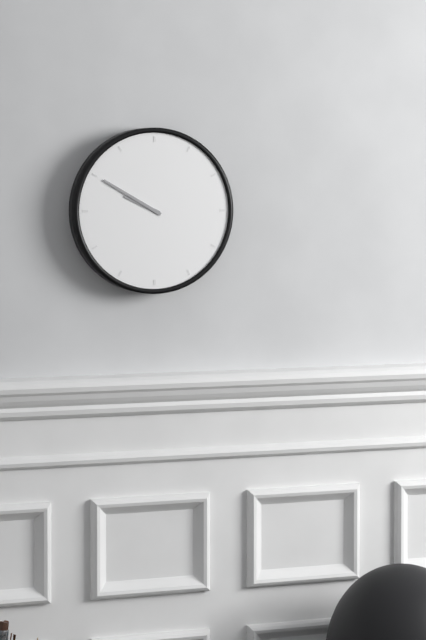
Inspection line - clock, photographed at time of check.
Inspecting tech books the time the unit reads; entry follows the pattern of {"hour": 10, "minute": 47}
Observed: {"hour": 9, "minute": 50}
